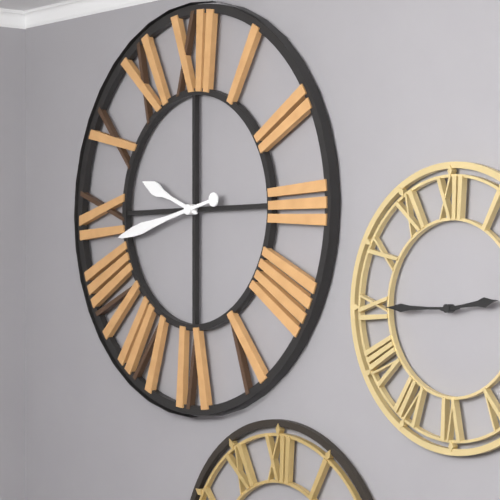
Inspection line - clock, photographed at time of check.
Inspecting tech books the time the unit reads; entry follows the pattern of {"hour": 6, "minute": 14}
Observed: {"hour": 9, "minute": 43}
